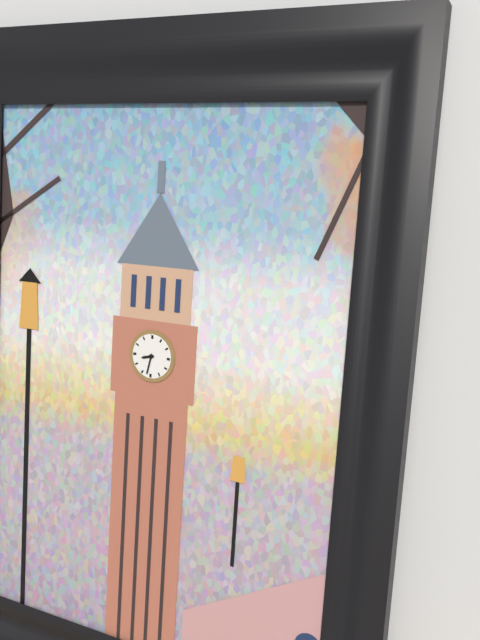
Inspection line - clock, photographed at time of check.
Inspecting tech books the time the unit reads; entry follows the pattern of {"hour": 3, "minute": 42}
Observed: {"hour": 8, "minute": 32}
